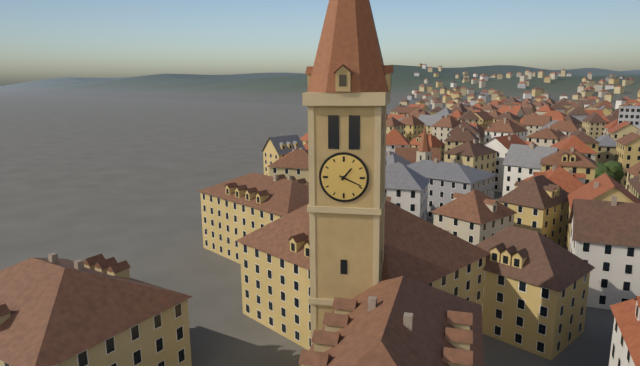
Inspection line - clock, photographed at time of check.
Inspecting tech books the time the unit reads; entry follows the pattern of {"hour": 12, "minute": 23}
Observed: {"hour": 1, "minute": 19}
